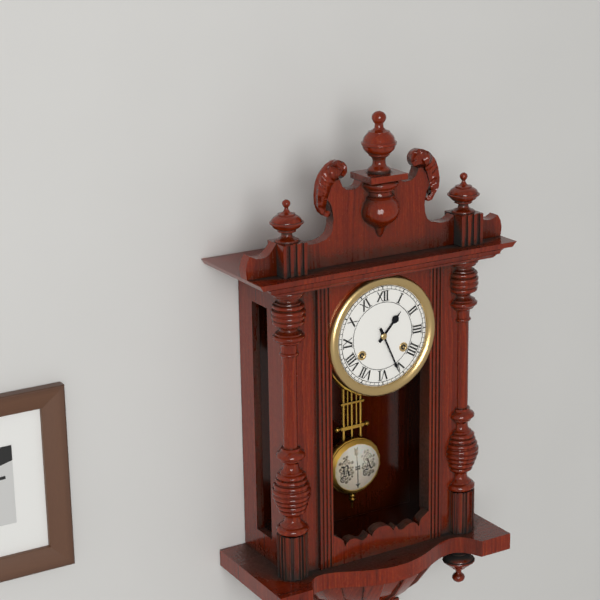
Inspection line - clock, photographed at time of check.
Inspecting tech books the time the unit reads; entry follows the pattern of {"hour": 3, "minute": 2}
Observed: {"hour": 1, "minute": 26}
